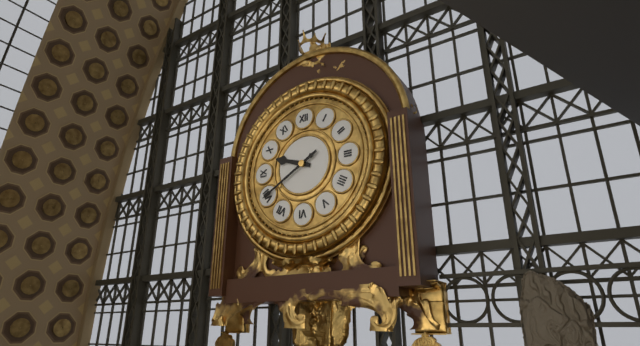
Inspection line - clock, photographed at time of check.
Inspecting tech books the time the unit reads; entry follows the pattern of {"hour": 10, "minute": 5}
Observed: {"hour": 9, "minute": 40}
